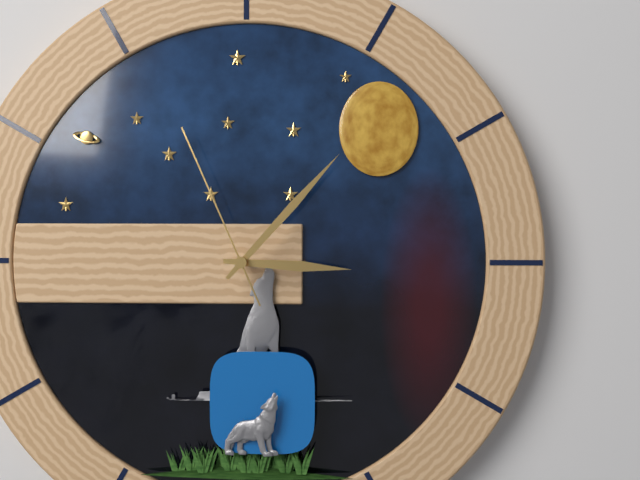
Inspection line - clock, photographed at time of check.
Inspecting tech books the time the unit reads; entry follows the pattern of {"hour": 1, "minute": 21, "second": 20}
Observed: {"hour": 3, "minute": 7, "second": 56}
